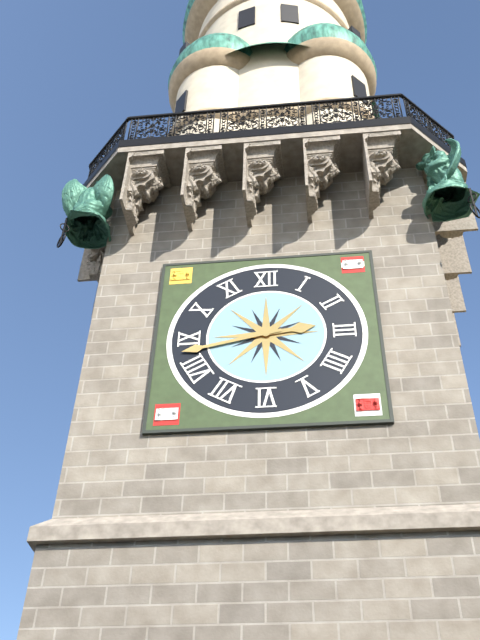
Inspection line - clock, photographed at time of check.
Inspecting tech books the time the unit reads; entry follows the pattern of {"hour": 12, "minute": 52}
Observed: {"hour": 2, "minute": 43}
